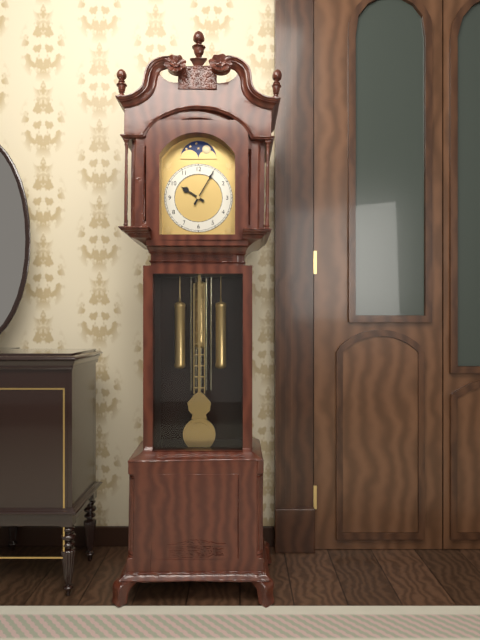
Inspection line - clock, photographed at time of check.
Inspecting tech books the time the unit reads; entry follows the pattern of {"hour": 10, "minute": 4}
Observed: {"hour": 10, "minute": 5}
